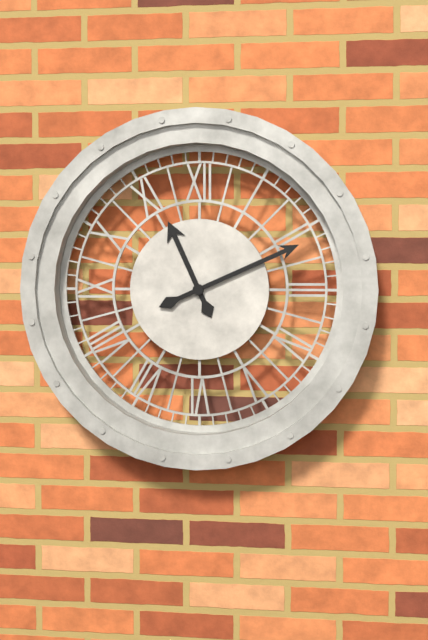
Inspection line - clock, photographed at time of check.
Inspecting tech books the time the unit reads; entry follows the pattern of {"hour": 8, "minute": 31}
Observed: {"hour": 11, "minute": 11}
